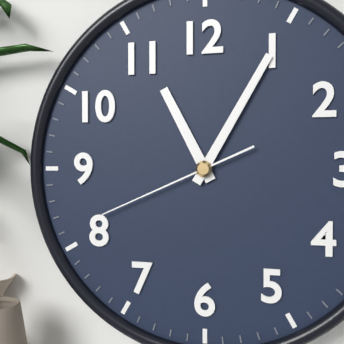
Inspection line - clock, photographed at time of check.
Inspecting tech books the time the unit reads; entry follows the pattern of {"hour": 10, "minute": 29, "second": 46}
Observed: {"hour": 11, "minute": 5, "second": 41}
